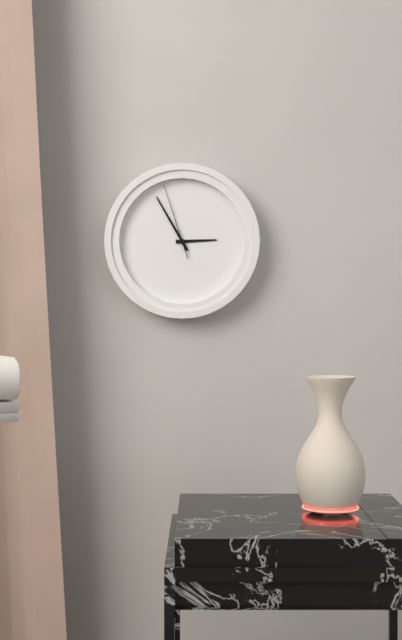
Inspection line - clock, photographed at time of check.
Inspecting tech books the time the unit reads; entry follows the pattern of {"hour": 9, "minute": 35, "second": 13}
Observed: {"hour": 2, "minute": 55, "second": 57}
